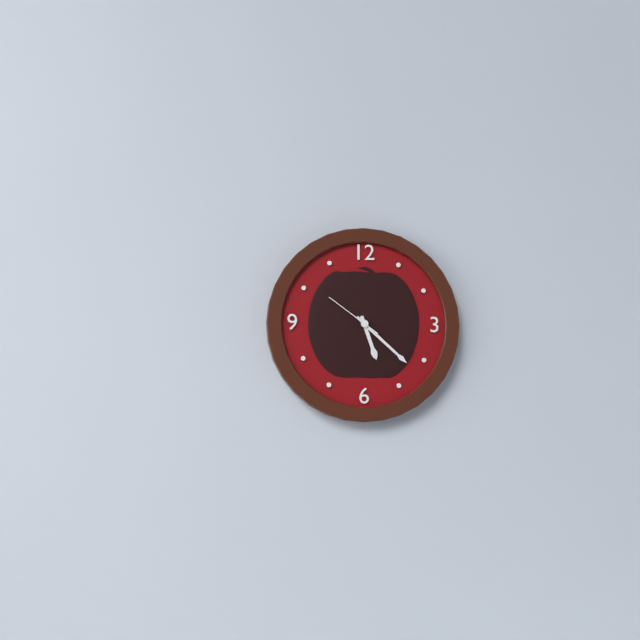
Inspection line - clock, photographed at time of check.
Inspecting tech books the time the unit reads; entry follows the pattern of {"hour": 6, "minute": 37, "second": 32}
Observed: {"hour": 5, "minute": 22, "second": 51}
